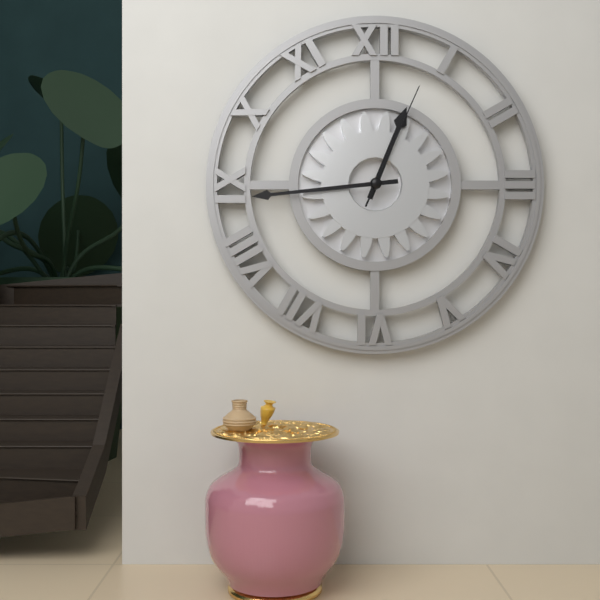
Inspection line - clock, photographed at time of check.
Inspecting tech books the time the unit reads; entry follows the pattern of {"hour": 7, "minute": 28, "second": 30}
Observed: {"hour": 12, "minute": 44, "second": 4}
